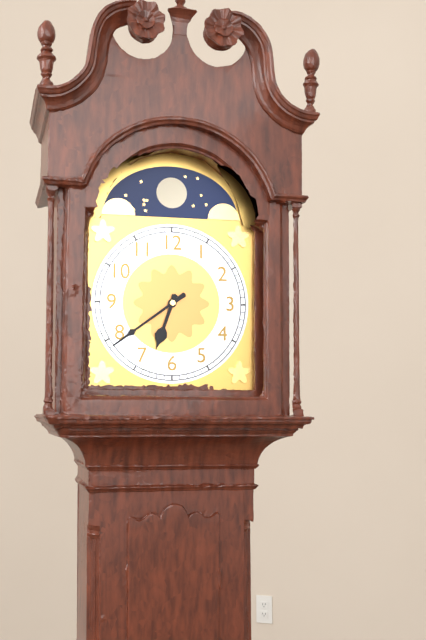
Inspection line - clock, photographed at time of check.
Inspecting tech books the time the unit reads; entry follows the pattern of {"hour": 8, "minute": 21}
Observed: {"hour": 6, "minute": 39}
